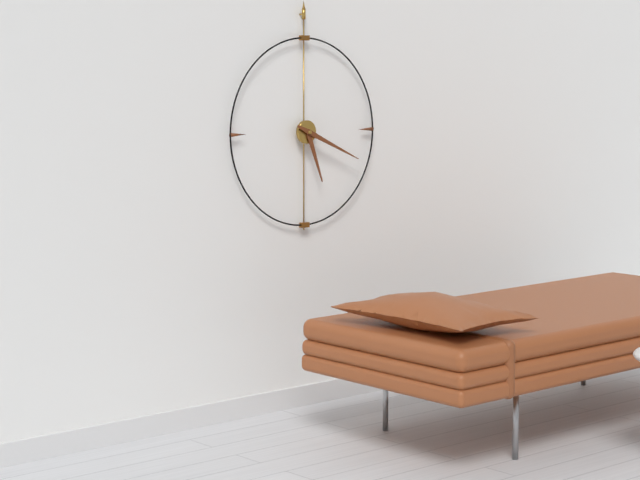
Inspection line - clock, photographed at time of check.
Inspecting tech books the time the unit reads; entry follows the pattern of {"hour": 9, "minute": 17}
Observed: {"hour": 5, "minute": 19}
